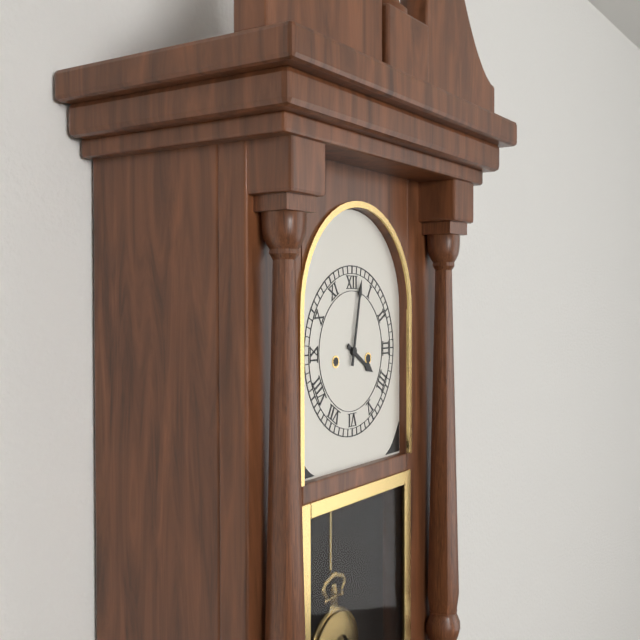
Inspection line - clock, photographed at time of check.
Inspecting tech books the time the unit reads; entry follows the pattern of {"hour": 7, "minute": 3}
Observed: {"hour": 4, "minute": 2}
